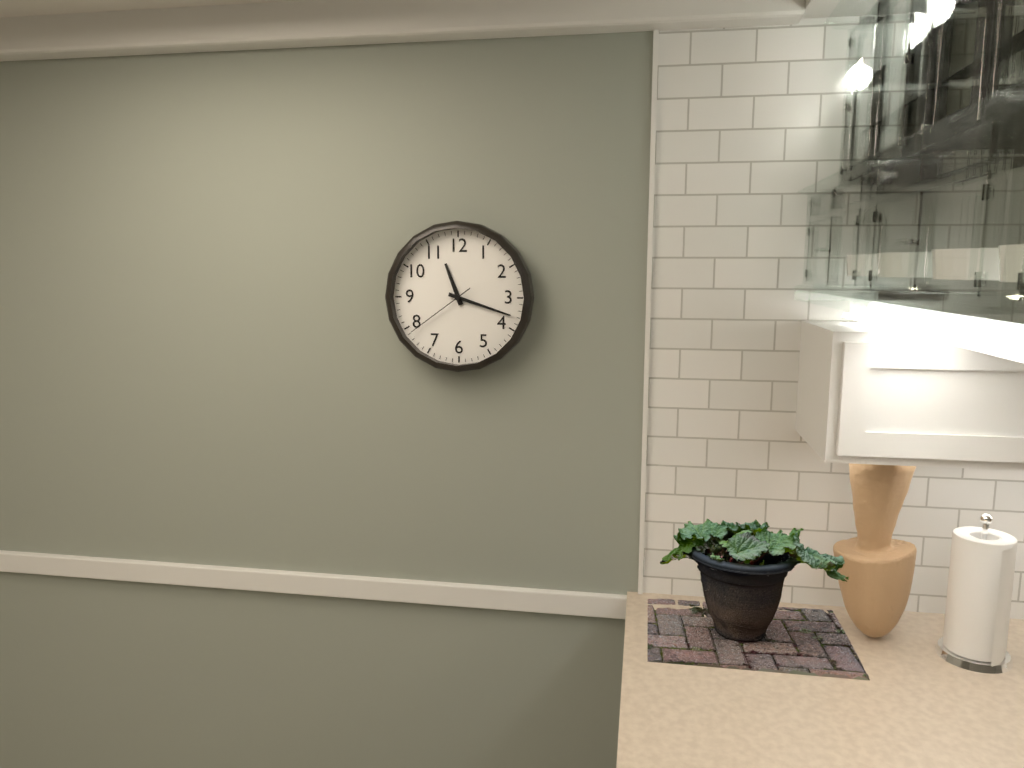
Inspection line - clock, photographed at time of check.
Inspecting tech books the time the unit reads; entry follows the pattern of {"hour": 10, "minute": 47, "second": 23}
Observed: {"hour": 11, "minute": 18, "second": 39}
